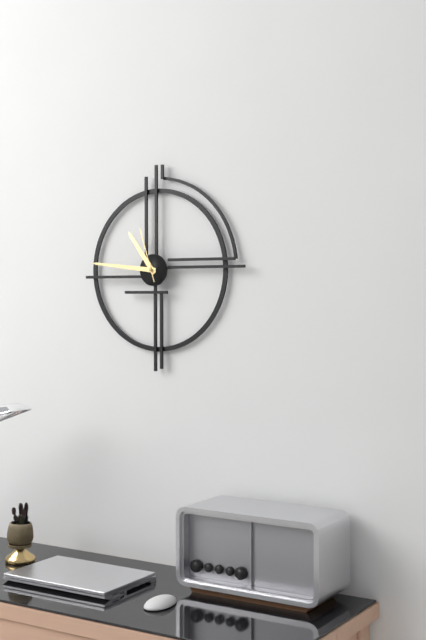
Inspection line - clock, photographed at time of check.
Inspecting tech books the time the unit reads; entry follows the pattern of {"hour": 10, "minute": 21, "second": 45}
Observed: {"hour": 10, "minute": 46, "second": 57}
